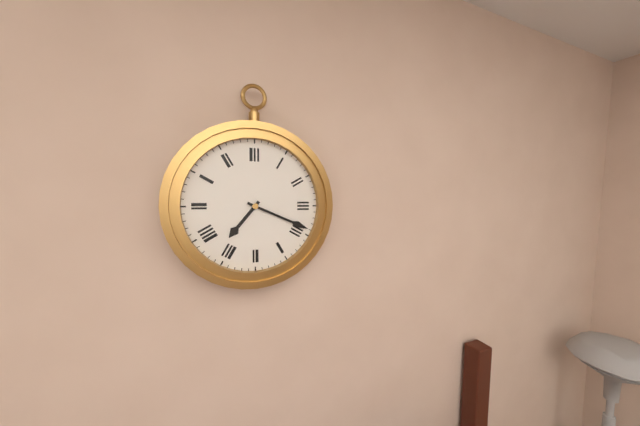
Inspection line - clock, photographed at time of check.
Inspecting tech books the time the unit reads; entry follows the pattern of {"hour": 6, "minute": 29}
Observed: {"hour": 7, "minute": 19}
